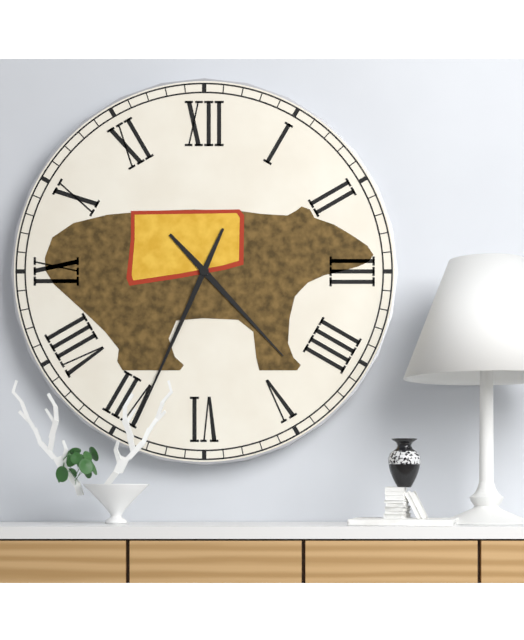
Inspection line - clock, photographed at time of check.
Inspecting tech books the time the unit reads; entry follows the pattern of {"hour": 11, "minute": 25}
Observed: {"hour": 4, "minute": 34}
